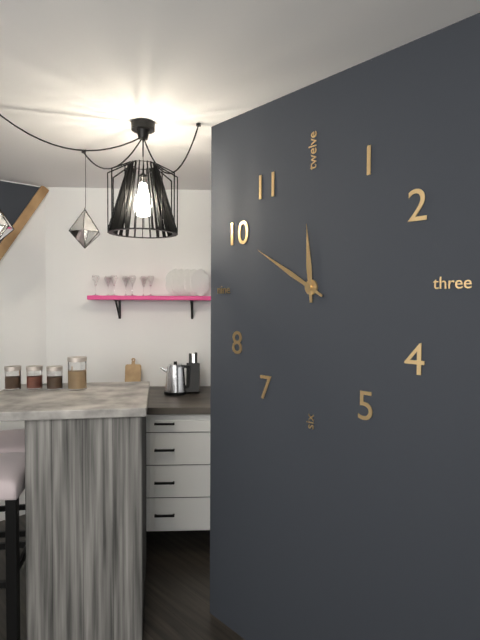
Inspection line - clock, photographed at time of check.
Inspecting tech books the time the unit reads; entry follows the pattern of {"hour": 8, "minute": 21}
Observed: {"hour": 11, "minute": 50}
